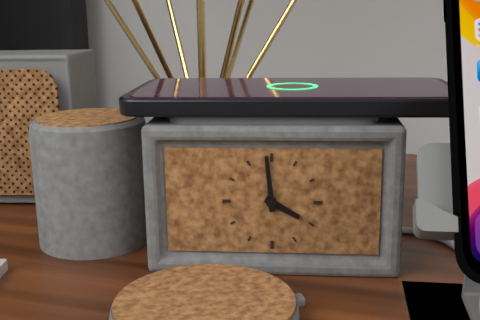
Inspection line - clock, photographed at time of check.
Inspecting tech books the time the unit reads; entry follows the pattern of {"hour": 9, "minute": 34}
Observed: {"hour": 3, "minute": 59}
